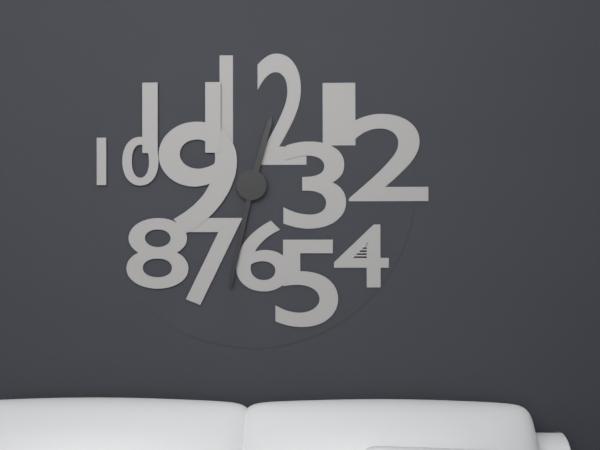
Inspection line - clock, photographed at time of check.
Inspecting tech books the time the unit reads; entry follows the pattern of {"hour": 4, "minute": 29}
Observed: {"hour": 12, "minute": 32}
